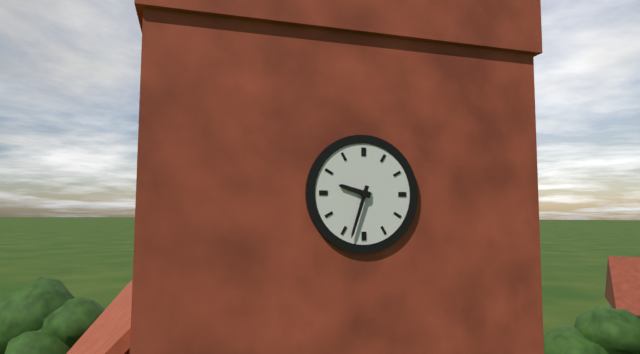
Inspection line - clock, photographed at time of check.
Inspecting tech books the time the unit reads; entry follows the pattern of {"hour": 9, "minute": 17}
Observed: {"hour": 9, "minute": 33}
